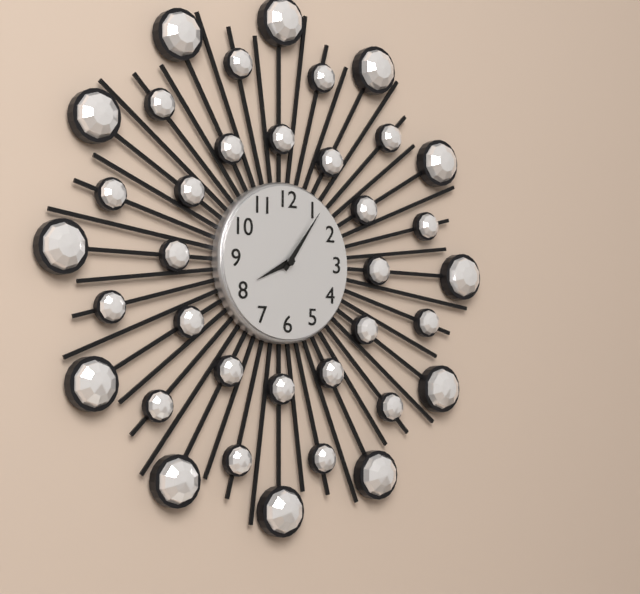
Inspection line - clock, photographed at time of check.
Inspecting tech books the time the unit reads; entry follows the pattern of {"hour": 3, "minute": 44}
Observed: {"hour": 8, "minute": 6}
